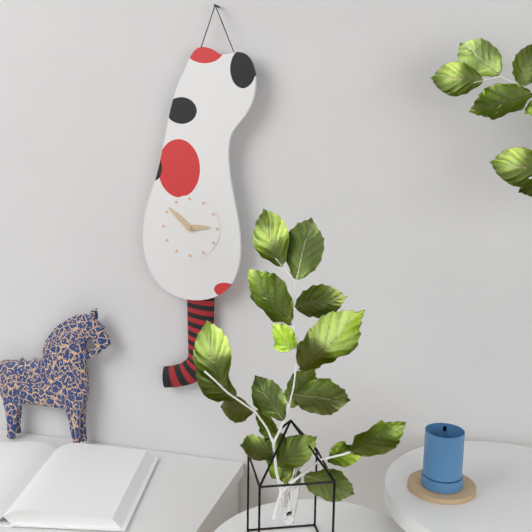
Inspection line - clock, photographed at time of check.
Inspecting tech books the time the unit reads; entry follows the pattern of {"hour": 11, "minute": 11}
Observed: {"hour": 2, "minute": 52}
